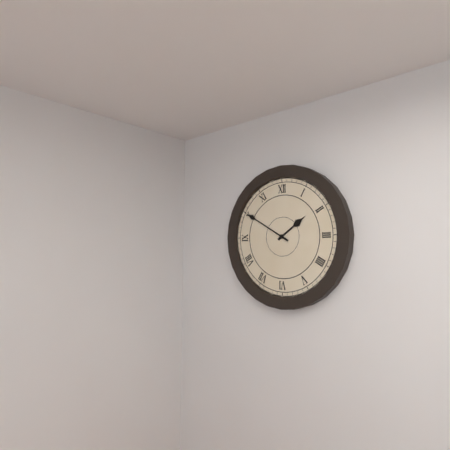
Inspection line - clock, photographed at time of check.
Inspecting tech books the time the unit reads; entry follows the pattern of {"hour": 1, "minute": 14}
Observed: {"hour": 1, "minute": 50}
